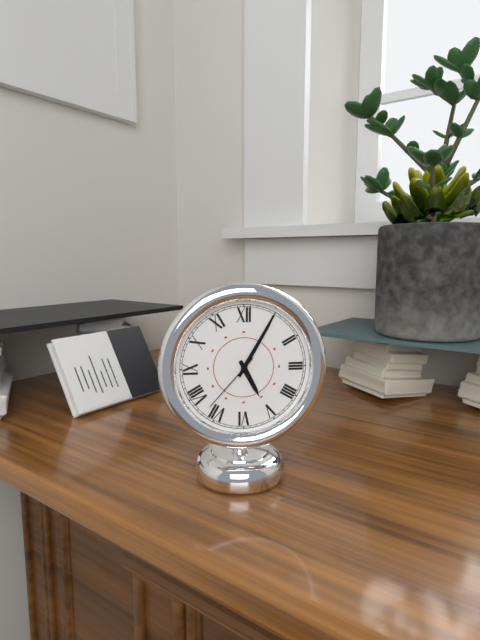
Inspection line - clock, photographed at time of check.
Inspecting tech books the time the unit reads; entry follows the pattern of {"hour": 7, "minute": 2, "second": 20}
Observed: {"hour": 5, "minute": 5, "second": 37}
